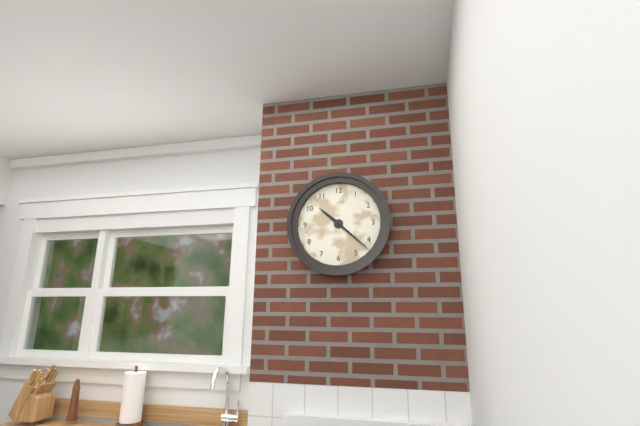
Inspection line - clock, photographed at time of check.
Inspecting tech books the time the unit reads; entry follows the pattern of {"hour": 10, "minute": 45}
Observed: {"hour": 10, "minute": 22}
